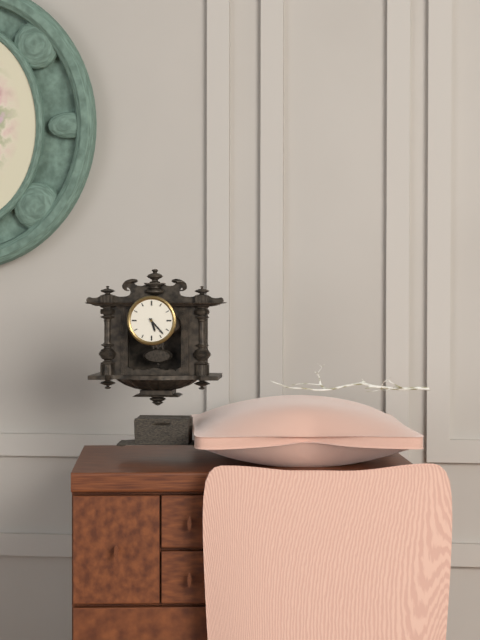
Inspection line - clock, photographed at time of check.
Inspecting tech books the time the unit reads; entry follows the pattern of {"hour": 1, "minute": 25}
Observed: {"hour": 5, "minute": 23}
